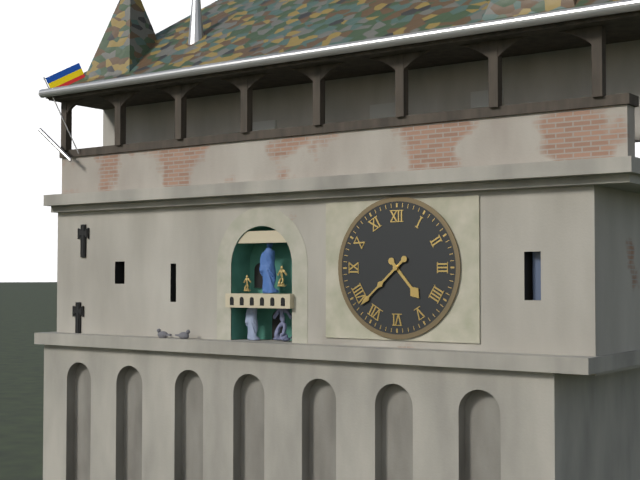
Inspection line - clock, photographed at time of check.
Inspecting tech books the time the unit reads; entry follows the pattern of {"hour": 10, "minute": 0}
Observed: {"hour": 4, "minute": 38}
